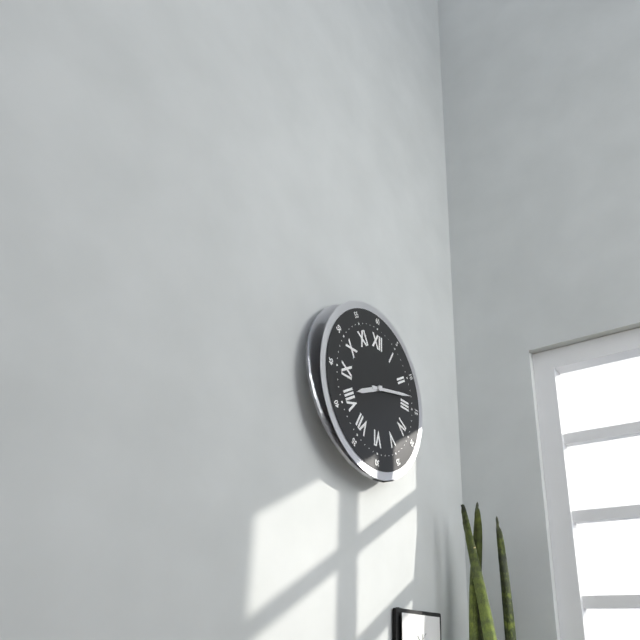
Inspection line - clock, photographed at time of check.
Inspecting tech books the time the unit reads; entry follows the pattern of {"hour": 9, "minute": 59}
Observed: {"hour": 8, "minute": 13}
